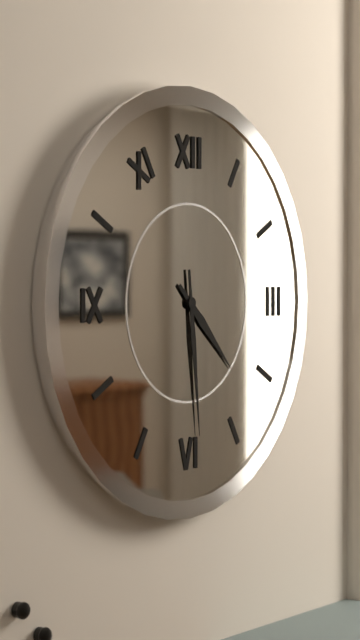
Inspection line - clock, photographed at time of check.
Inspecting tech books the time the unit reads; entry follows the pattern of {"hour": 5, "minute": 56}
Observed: {"hour": 4, "minute": 29}
